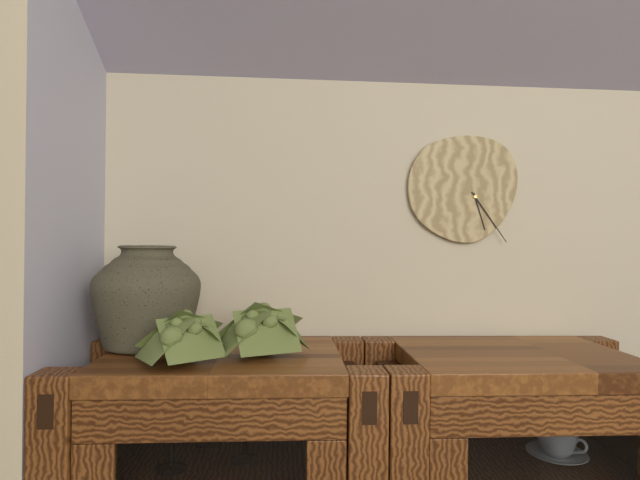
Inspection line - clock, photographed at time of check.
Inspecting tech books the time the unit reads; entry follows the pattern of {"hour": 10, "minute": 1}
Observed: {"hour": 5, "minute": 24}
